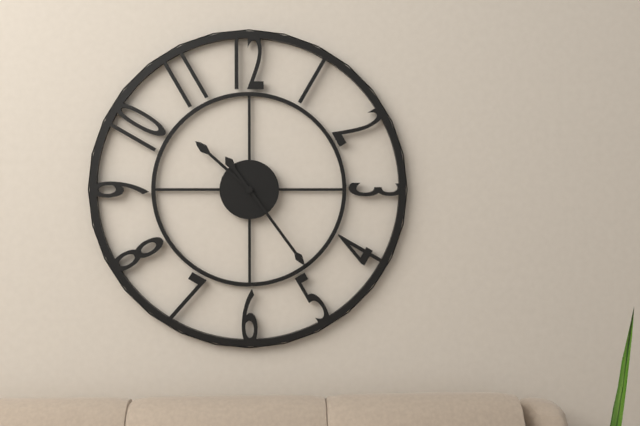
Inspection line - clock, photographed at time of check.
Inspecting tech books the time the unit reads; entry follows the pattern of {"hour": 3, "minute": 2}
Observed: {"hour": 10, "minute": 24}
